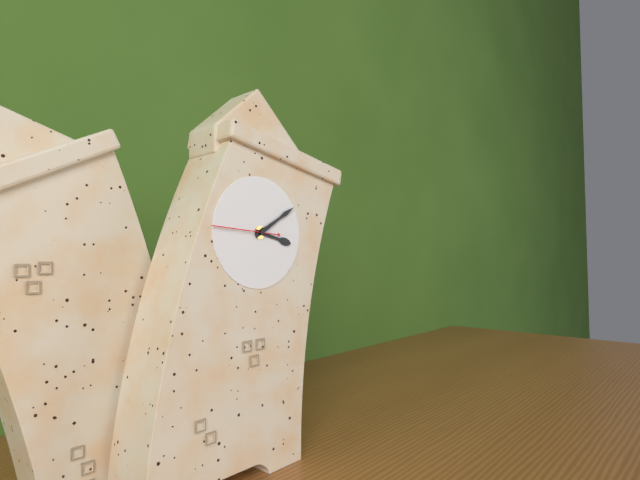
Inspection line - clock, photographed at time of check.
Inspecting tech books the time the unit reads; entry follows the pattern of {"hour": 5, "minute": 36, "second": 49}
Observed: {"hour": 3, "minute": 8, "second": 44}
